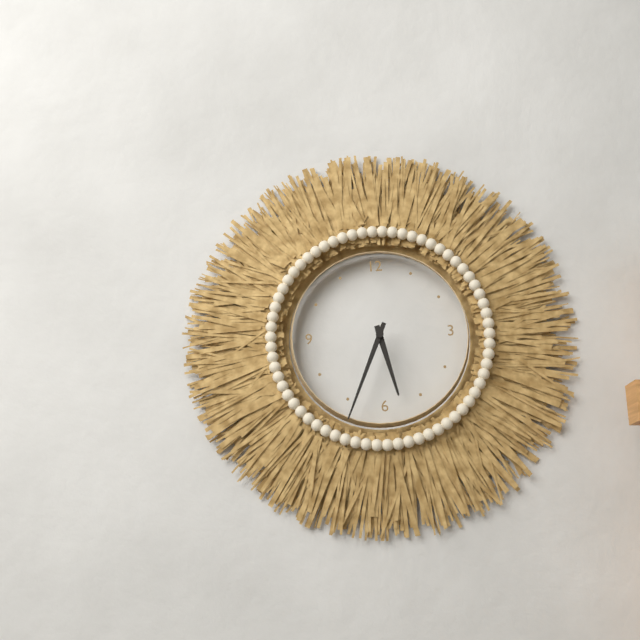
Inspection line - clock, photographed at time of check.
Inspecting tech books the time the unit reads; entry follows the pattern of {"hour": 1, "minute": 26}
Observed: {"hour": 5, "minute": 34}
